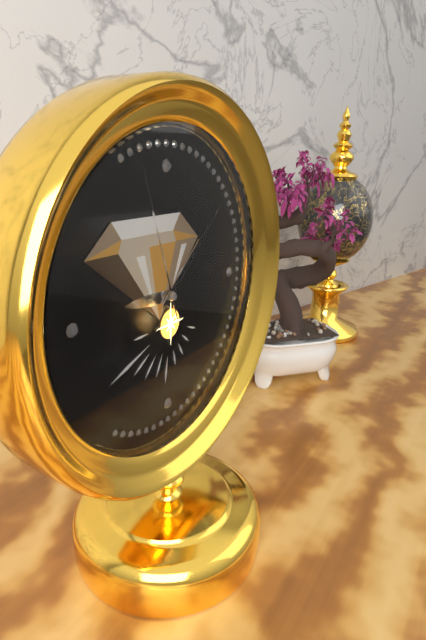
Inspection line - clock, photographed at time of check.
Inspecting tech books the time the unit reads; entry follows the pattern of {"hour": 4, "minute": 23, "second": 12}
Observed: {"hour": 9, "minute": 8, "second": 57}
